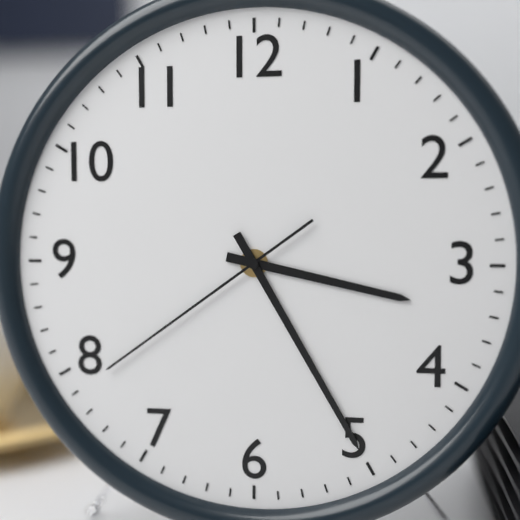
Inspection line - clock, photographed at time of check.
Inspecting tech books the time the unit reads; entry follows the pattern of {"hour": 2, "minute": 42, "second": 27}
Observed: {"hour": 3, "minute": 25, "second": 39}
